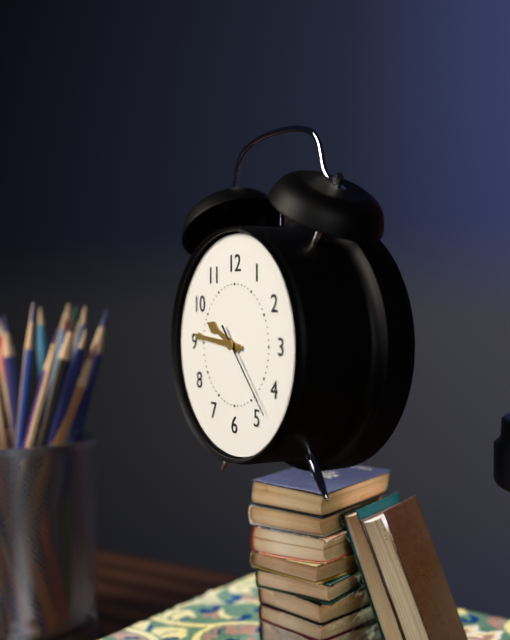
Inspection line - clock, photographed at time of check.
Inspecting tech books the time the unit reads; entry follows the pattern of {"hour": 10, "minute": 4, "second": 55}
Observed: {"hour": 9, "minute": 46, "second": 23}
